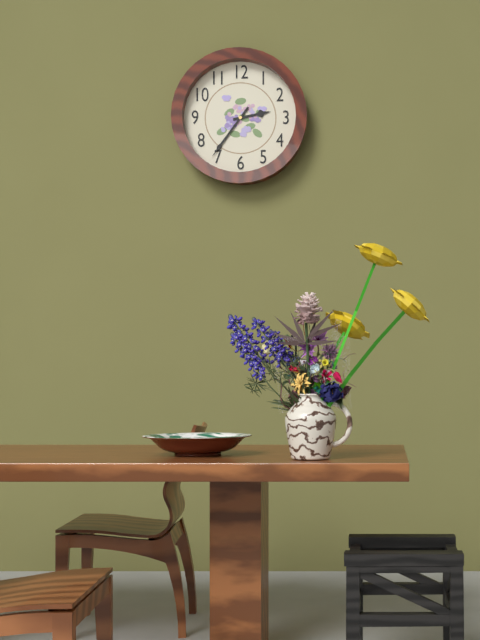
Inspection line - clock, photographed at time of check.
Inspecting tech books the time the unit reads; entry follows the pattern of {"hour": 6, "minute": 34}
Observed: {"hour": 2, "minute": 36}
